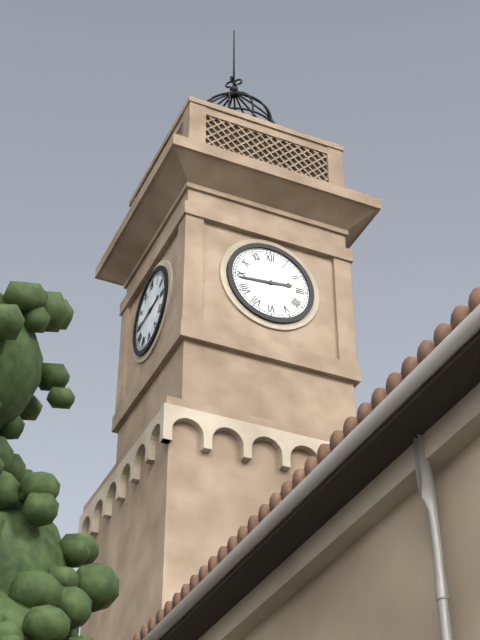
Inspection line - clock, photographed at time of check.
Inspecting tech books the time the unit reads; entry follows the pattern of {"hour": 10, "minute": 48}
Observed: {"hour": 2, "minute": 44}
